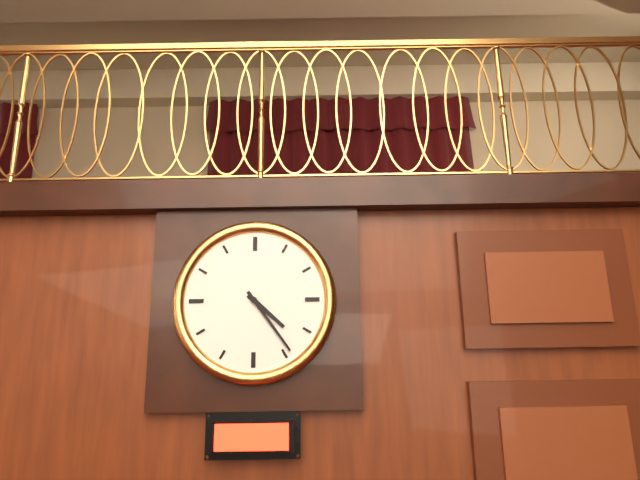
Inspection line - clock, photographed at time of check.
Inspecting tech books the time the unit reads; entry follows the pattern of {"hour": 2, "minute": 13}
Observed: {"hour": 4, "minute": 24}
